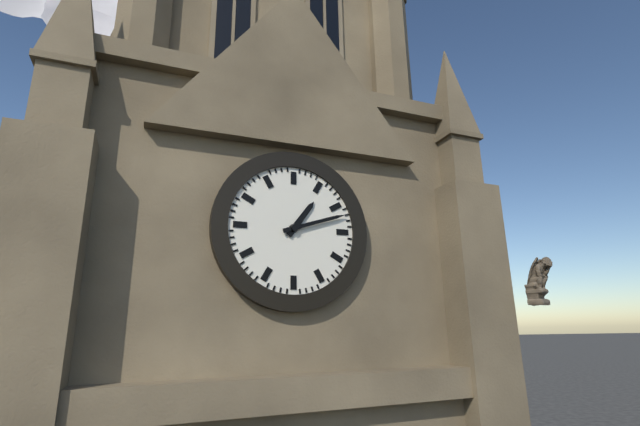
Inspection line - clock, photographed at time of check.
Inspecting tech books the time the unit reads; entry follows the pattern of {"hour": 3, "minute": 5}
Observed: {"hour": 1, "minute": 12}
